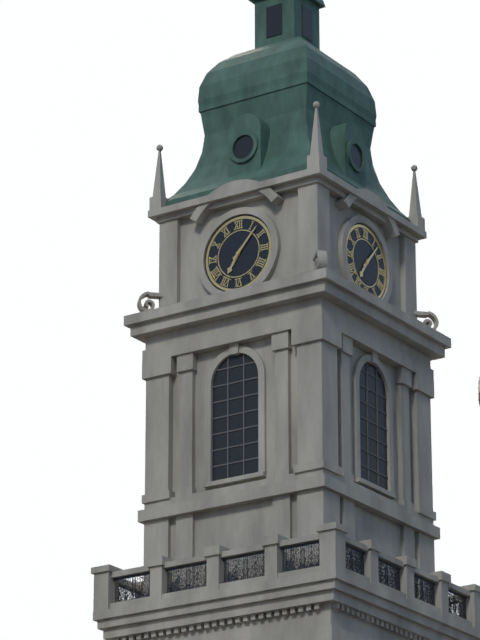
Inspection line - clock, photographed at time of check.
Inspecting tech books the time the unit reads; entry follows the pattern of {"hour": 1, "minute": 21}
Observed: {"hour": 7, "minute": 7}
